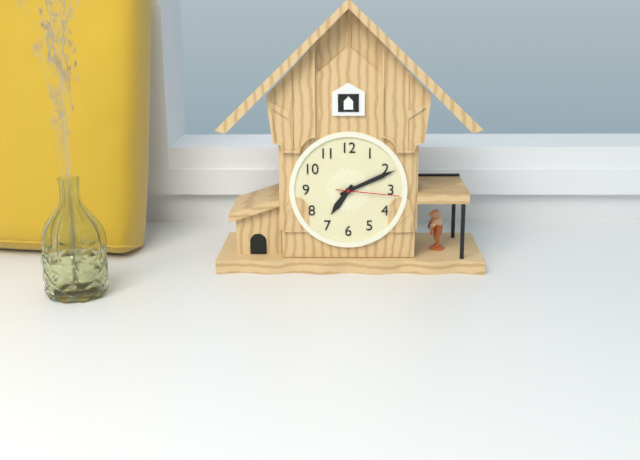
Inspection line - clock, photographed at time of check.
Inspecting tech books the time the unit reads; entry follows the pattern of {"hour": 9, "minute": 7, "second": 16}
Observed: {"hour": 7, "minute": 11, "second": 16}
